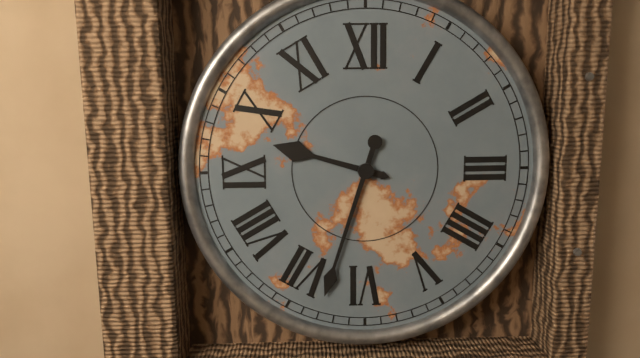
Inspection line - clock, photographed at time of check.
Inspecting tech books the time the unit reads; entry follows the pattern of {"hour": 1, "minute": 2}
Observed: {"hour": 9, "minute": 33}
